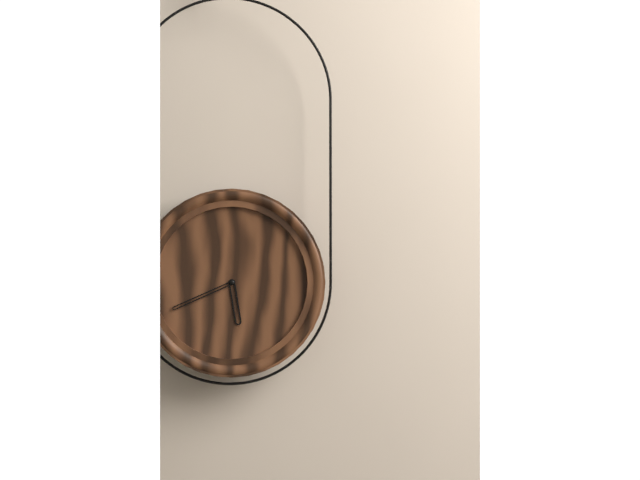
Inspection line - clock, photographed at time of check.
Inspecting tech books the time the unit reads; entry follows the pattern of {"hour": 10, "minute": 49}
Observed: {"hour": 5, "minute": 41}
